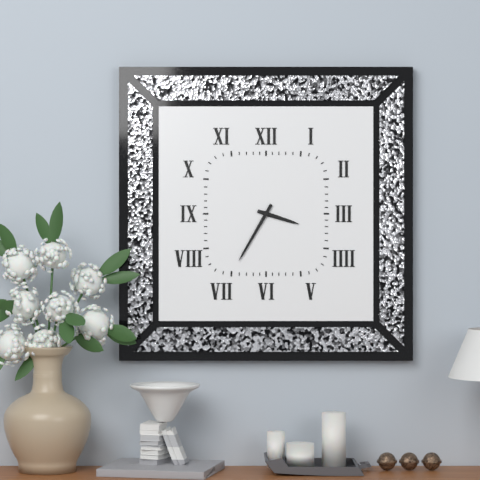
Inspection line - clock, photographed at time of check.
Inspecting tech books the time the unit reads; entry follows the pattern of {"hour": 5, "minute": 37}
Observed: {"hour": 3, "minute": 35}
